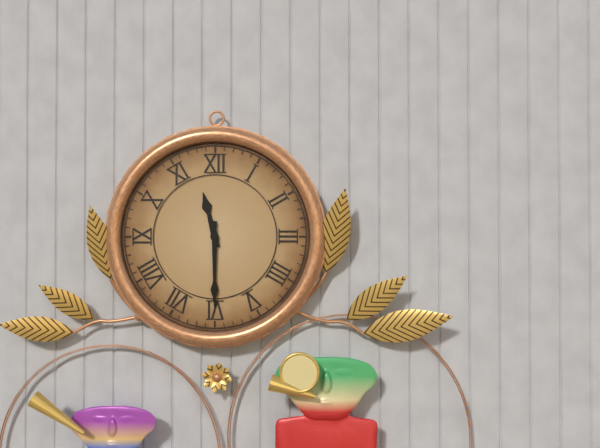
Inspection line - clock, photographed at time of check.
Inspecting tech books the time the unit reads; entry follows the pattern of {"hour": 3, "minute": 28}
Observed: {"hour": 11, "minute": 30}
